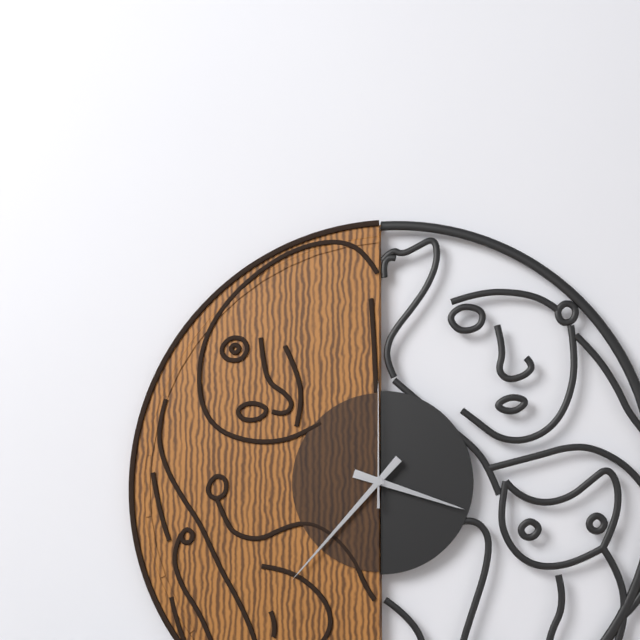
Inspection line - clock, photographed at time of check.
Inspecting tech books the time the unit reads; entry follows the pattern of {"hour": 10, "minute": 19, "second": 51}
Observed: {"hour": 3, "minute": 37, "second": 0}
